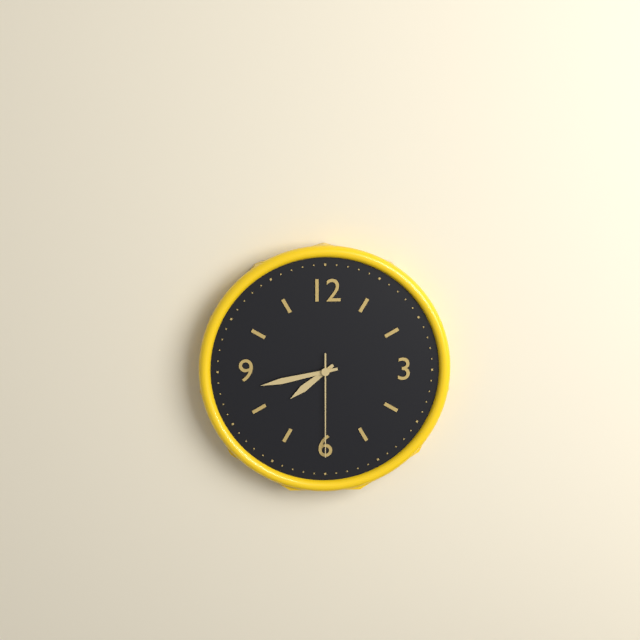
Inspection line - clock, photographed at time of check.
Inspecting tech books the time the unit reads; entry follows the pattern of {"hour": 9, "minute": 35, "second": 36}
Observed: {"hour": 7, "minute": 43, "second": 30}
